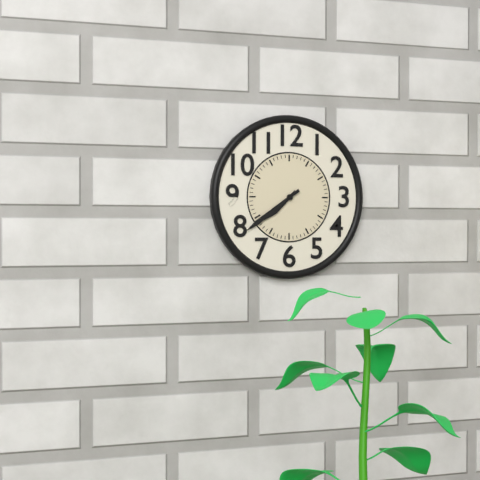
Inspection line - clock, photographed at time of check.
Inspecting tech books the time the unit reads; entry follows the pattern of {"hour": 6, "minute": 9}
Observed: {"hour": 7, "minute": 39}
